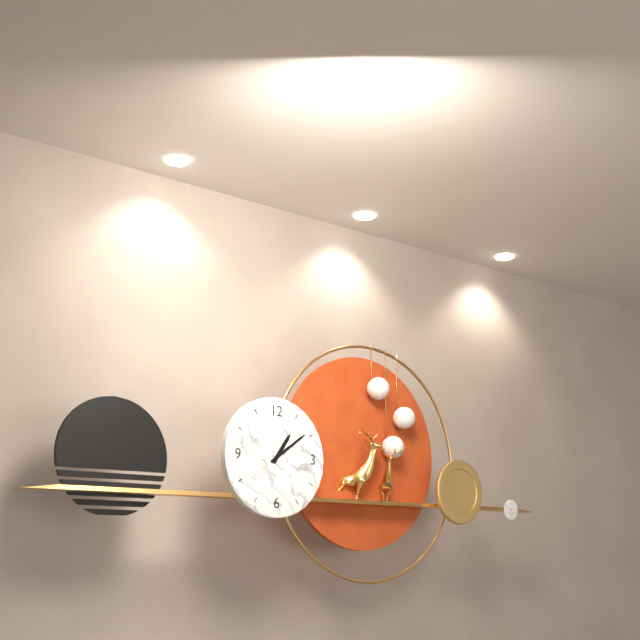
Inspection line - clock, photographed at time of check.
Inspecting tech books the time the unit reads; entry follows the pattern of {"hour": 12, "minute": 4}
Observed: {"hour": 1, "minute": 9}
